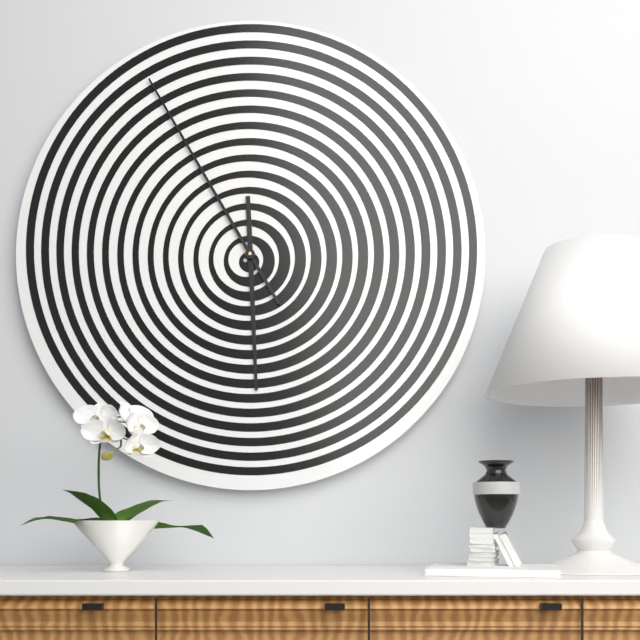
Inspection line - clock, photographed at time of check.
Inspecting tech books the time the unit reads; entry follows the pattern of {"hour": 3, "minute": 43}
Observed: {"hour": 5, "minute": 55}
